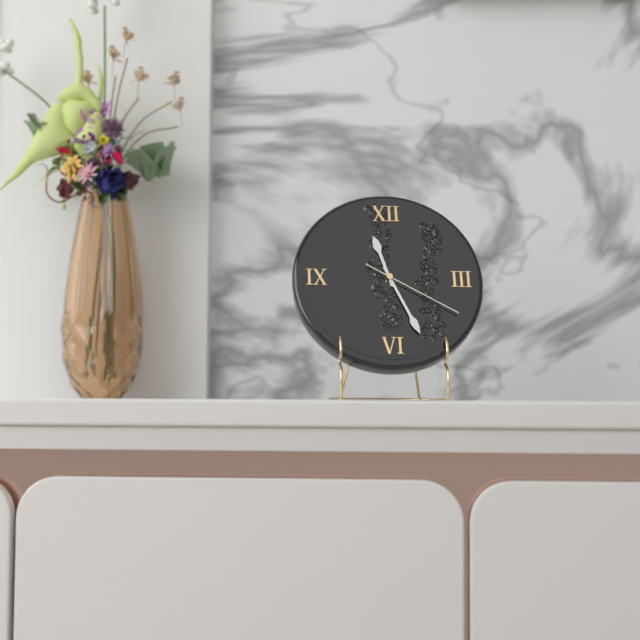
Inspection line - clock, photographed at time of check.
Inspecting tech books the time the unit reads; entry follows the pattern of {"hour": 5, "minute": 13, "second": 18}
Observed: {"hour": 11, "minute": 26, "second": 20}
